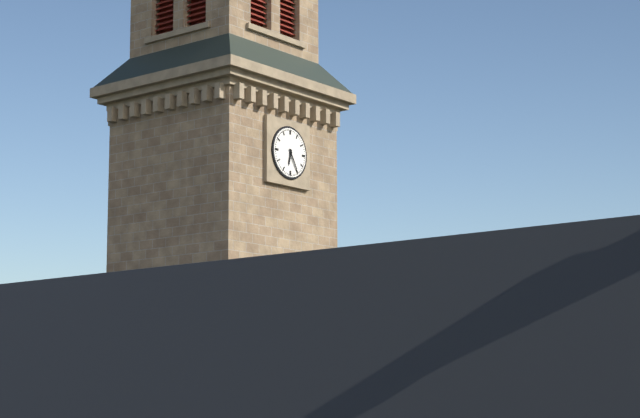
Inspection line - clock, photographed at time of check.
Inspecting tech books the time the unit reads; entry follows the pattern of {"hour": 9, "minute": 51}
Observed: {"hour": 6, "minute": 25}
